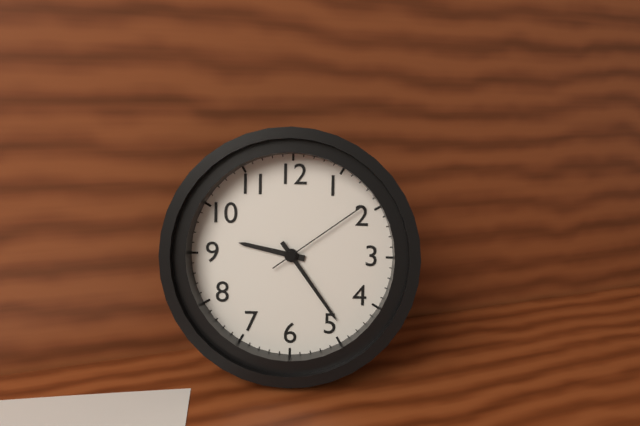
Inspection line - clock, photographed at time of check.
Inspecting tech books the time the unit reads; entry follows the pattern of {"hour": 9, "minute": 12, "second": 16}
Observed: {"hour": 9, "minute": 24, "second": 9}
